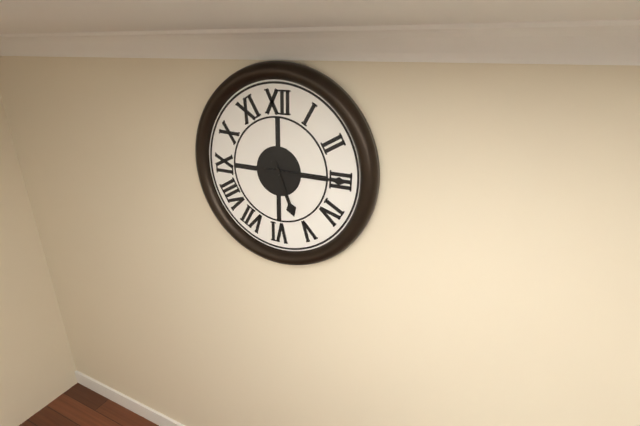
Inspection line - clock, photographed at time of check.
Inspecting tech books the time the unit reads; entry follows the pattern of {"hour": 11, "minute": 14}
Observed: {"hour": 5, "minute": 15}
